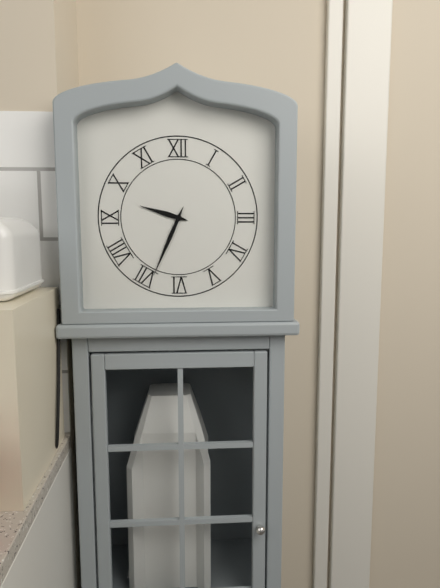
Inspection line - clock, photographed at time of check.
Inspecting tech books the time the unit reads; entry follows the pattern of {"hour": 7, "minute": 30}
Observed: {"hour": 9, "minute": 34}
